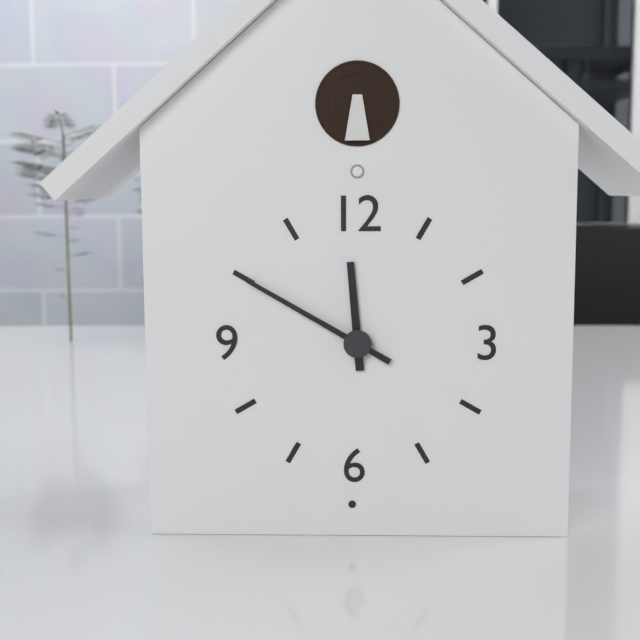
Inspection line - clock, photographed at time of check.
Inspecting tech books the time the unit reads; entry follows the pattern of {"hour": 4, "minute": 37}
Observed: {"hour": 11, "minute": 50}
